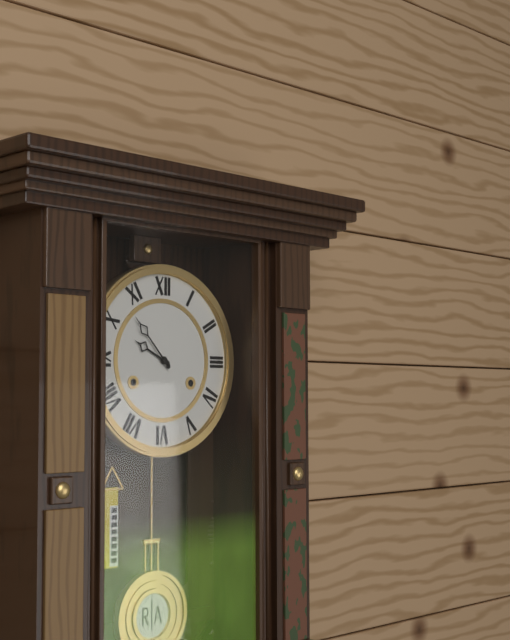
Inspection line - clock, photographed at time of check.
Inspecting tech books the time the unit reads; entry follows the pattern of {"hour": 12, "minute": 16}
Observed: {"hour": 9, "minute": 53}
